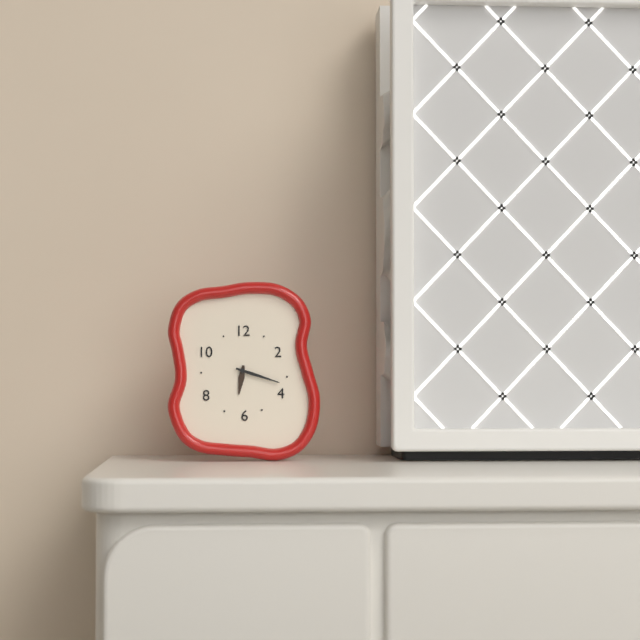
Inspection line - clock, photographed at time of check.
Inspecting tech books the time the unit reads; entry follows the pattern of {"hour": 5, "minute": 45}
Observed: {"hour": 6, "minute": 18}
